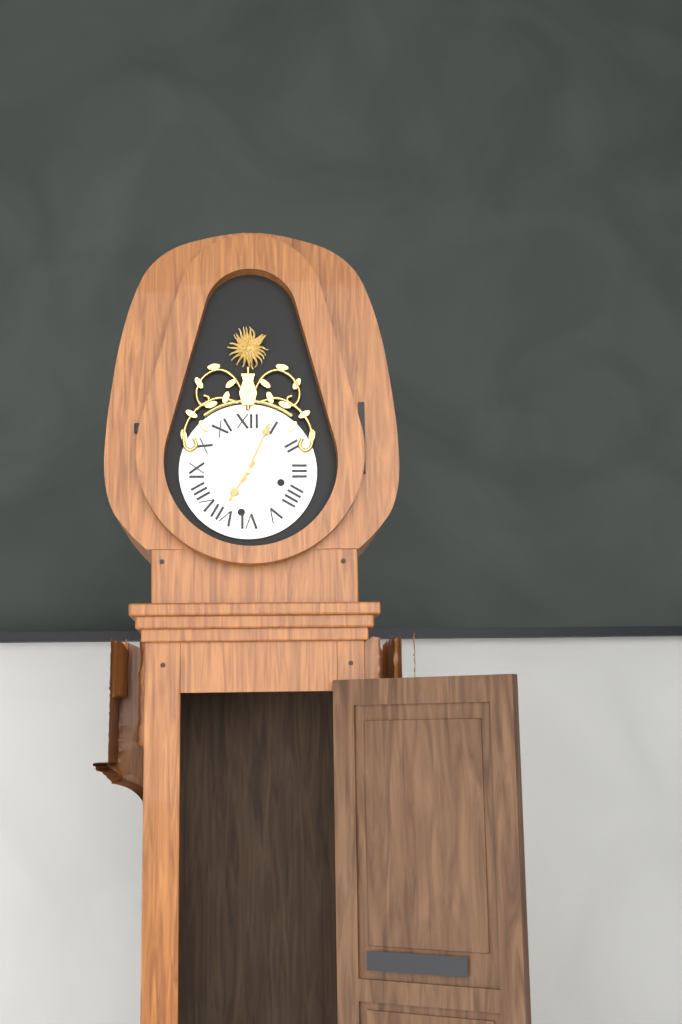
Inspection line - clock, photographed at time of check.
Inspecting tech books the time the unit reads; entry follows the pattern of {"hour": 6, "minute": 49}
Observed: {"hour": 7, "minute": 4}
